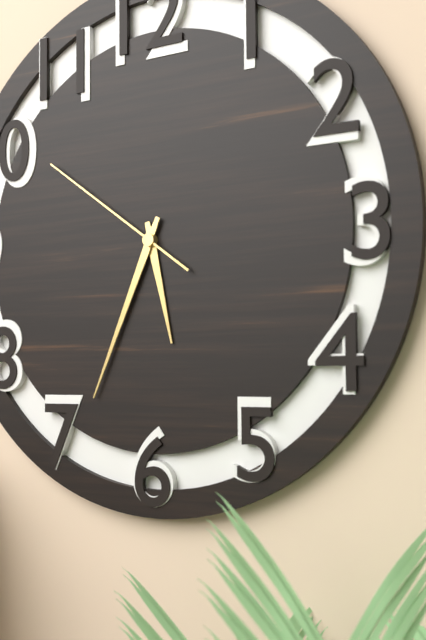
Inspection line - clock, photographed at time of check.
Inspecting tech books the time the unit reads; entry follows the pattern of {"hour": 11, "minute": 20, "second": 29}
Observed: {"hour": 5, "minute": 34, "second": 51}
